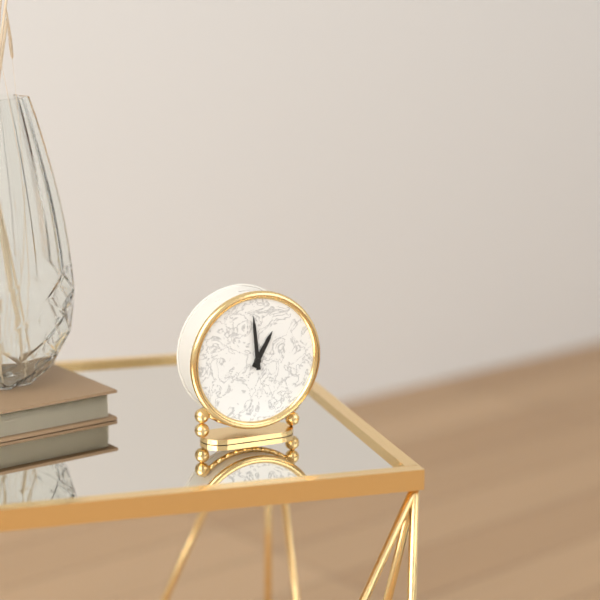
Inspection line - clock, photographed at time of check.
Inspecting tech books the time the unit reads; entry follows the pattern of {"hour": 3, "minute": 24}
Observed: {"hour": 12, "minute": 59}
